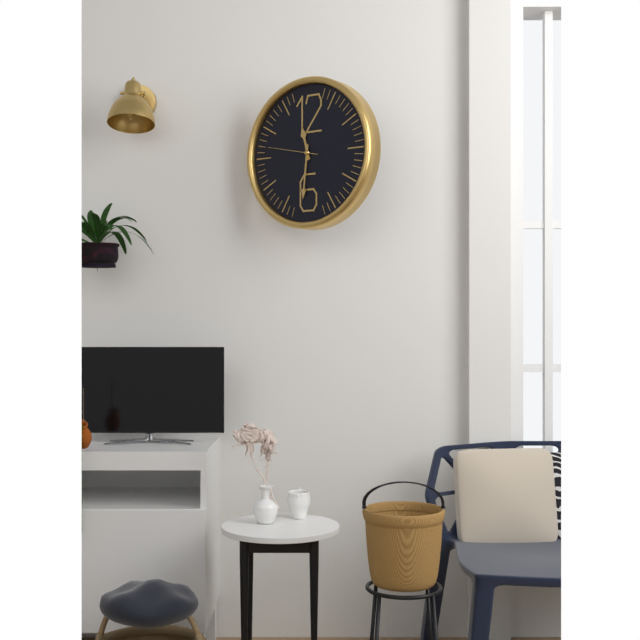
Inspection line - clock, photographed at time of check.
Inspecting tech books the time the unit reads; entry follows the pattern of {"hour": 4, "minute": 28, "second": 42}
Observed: {"hour": 11, "minute": 31, "second": 47}
